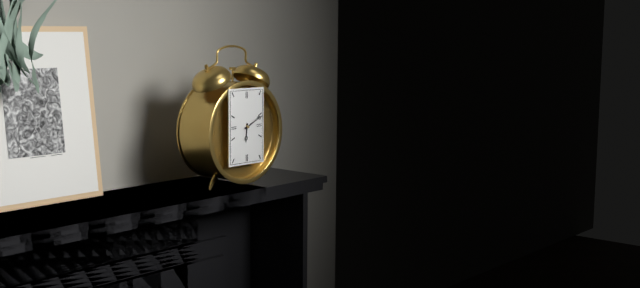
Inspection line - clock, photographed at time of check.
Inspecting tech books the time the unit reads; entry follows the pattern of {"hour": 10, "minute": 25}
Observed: {"hour": 6, "minute": 11}
